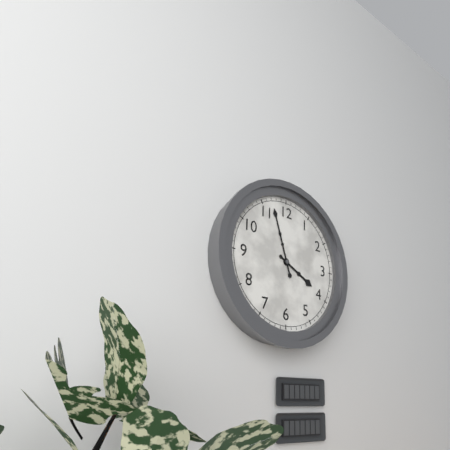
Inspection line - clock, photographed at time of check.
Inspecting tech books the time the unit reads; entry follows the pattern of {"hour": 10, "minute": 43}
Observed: {"hour": 3, "minute": 57}
